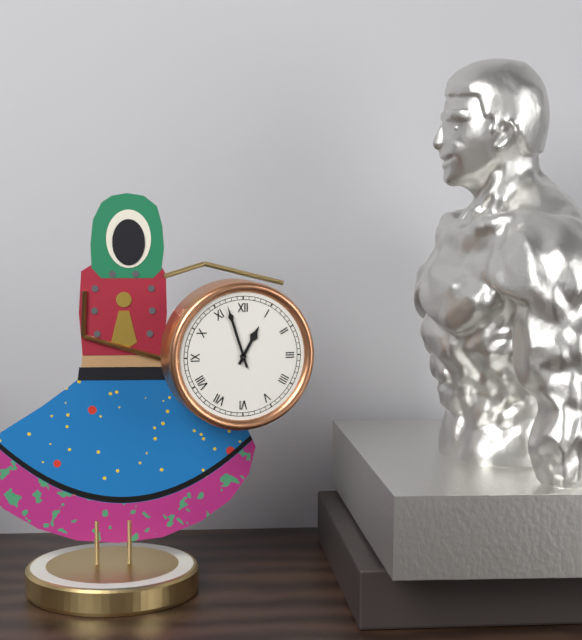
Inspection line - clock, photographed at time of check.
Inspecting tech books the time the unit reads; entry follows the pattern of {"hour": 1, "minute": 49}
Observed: {"hour": 12, "minute": 57}
